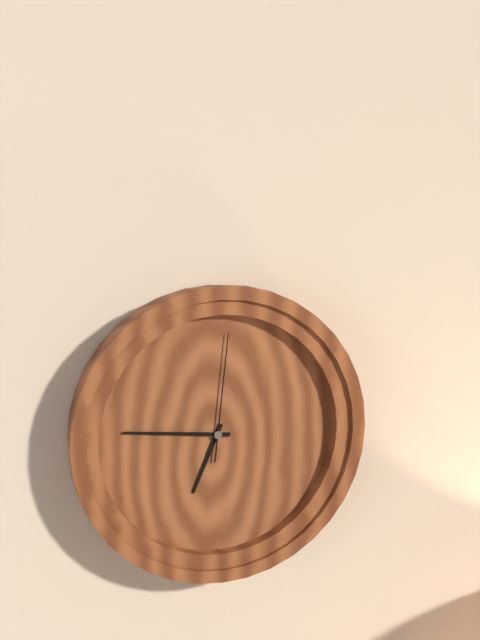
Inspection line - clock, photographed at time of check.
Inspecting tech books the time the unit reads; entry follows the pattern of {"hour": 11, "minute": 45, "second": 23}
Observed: {"hour": 6, "minute": 46, "second": 1}
